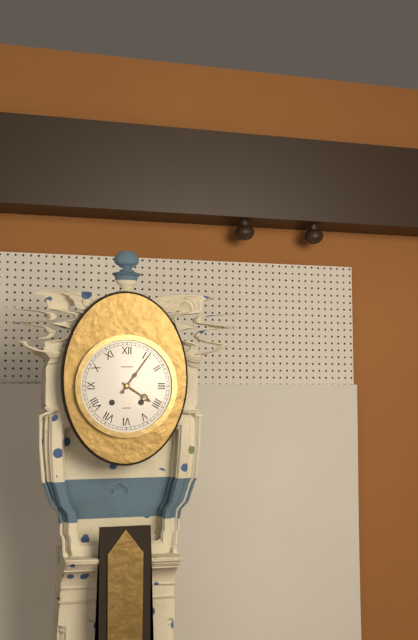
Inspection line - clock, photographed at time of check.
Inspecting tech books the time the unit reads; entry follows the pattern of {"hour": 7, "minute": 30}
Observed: {"hour": 4, "minute": 6}
